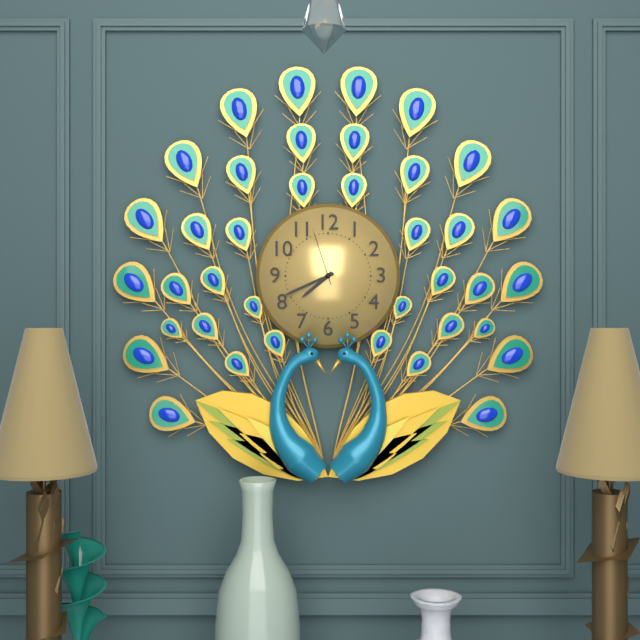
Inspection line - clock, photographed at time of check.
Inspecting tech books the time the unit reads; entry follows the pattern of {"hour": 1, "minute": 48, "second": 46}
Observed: {"hour": 7, "minute": 41, "second": 57}
